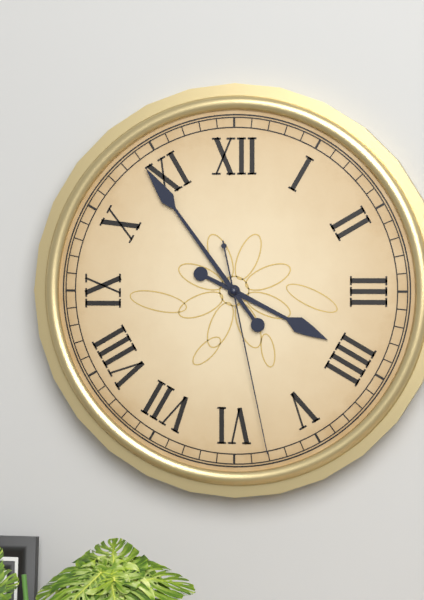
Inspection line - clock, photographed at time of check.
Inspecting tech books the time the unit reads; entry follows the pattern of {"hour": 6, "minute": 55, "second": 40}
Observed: {"hour": 3, "minute": 54, "second": 28}
